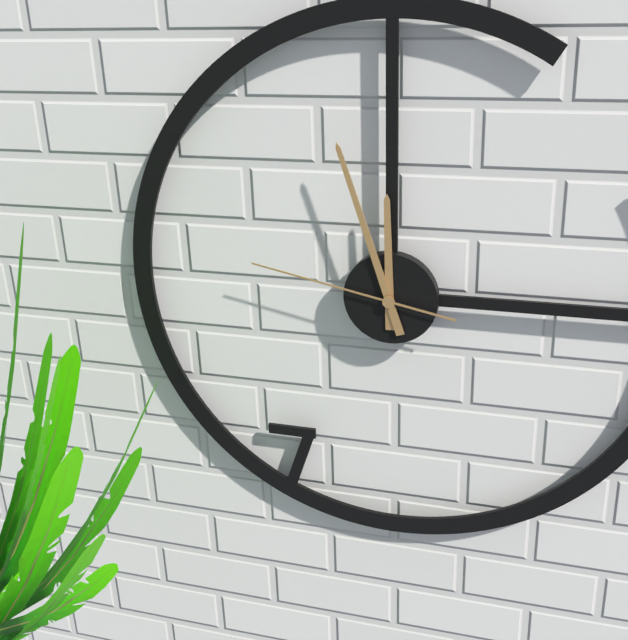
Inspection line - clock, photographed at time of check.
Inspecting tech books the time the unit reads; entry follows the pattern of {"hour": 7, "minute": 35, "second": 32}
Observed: {"hour": 11, "minute": 57, "second": 47}
